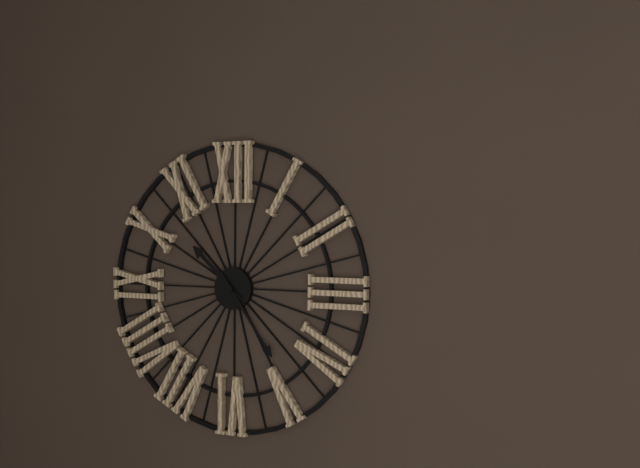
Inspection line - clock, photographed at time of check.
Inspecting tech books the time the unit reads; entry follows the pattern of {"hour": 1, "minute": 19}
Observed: {"hour": 10, "minute": 24}
